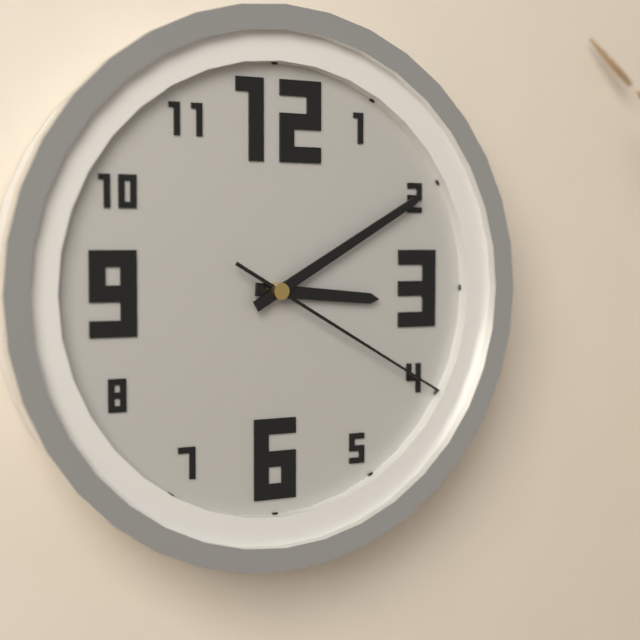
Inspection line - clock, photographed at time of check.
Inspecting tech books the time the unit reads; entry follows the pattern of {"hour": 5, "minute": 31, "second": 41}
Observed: {"hour": 3, "minute": 10, "second": 20}
